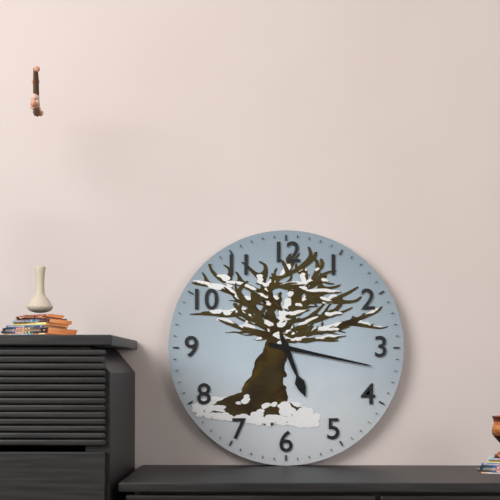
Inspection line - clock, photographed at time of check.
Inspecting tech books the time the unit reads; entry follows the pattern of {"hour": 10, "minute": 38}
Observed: {"hour": 5, "minute": 17}
